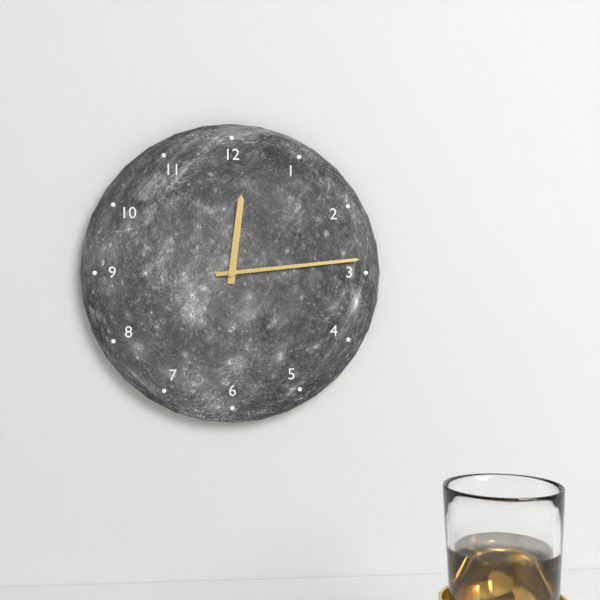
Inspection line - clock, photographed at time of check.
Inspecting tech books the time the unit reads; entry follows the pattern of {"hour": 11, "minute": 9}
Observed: {"hour": 12, "minute": 14}
